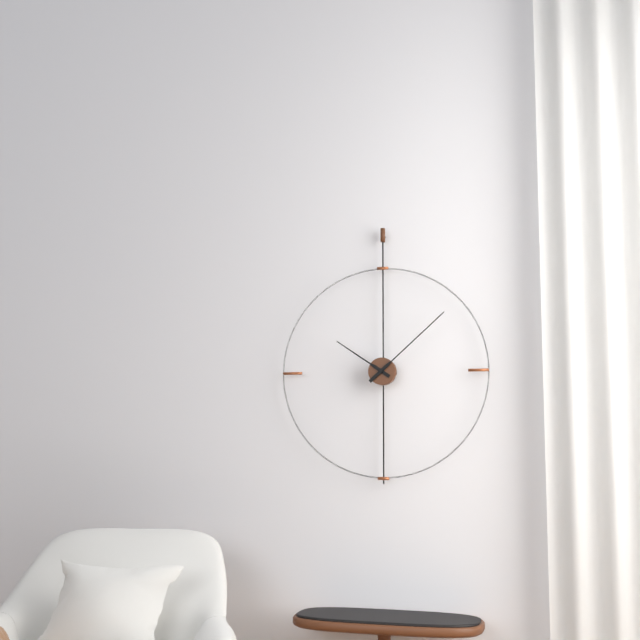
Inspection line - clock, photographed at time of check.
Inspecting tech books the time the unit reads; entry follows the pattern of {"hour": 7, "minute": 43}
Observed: {"hour": 10, "minute": 8}
